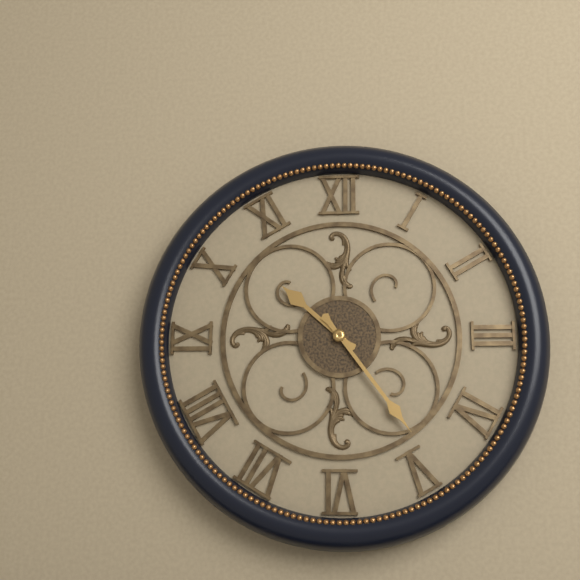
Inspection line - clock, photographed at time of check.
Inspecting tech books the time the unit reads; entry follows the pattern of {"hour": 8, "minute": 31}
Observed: {"hour": 10, "minute": 24}
